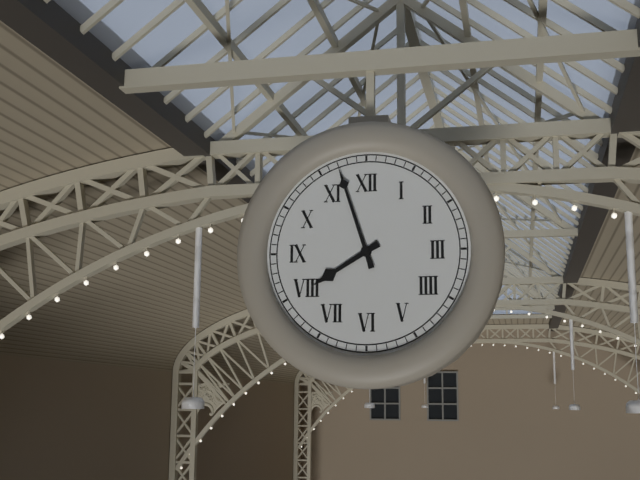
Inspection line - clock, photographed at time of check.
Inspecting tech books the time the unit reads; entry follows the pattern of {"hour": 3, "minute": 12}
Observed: {"hour": 7, "minute": 57}
